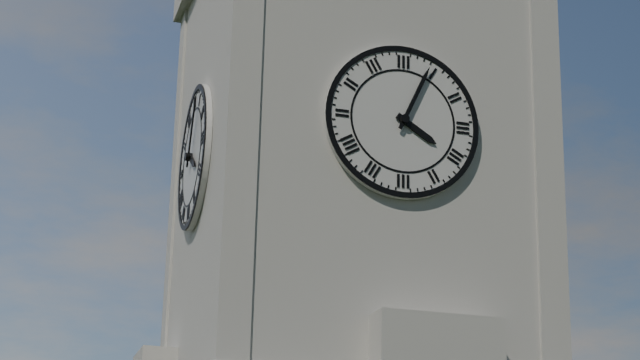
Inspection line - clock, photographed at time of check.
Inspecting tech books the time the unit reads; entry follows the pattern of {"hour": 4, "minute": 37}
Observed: {"hour": 4, "minute": 4}
